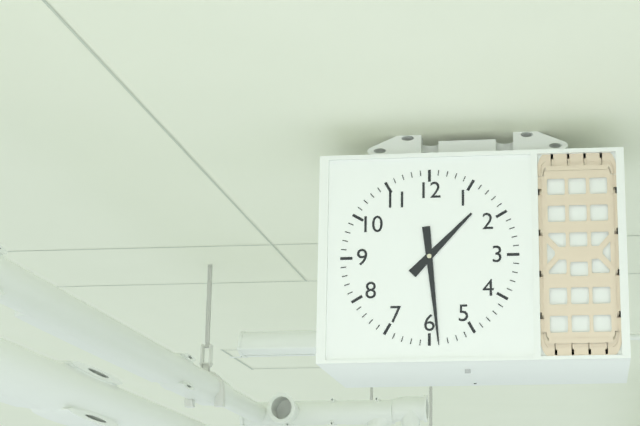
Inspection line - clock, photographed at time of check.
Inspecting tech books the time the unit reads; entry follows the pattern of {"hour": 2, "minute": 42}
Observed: {"hour": 1, "minute": 29}
